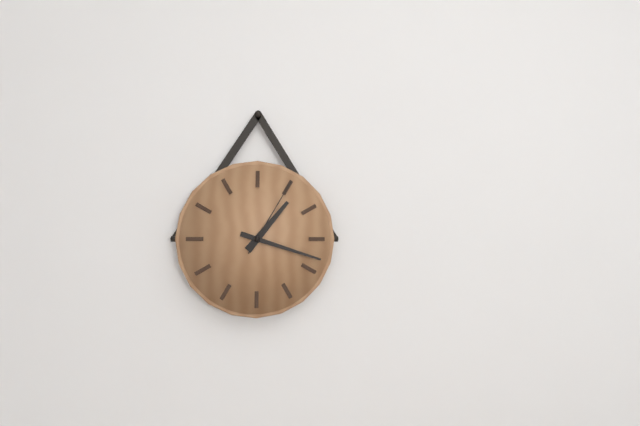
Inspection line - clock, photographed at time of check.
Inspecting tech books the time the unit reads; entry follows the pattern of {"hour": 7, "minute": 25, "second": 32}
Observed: {"hour": 1, "minute": 18, "second": 5}
